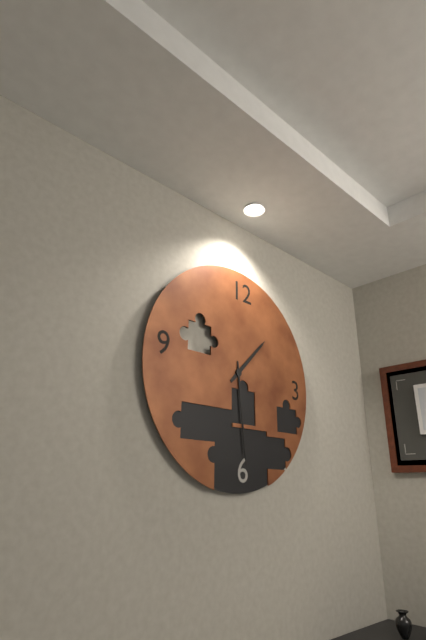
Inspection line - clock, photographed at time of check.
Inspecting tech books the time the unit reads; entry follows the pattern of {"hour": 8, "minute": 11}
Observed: {"hour": 1, "minute": 29}
